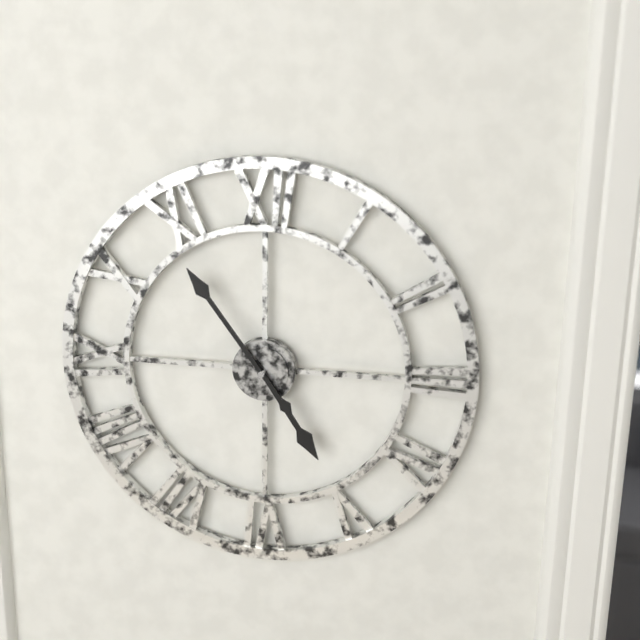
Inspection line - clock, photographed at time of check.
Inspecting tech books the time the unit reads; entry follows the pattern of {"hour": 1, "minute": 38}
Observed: {"hour": 4, "minute": 54}
